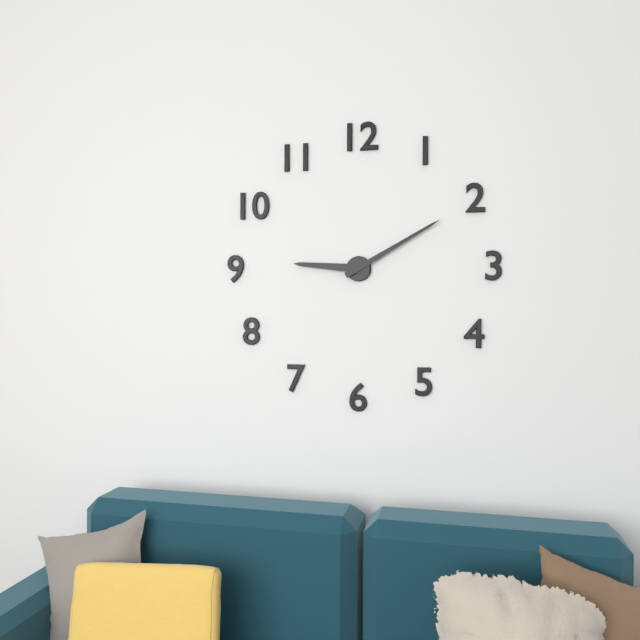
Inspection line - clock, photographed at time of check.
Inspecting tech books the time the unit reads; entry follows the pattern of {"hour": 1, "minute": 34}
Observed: {"hour": 9, "minute": 10}
